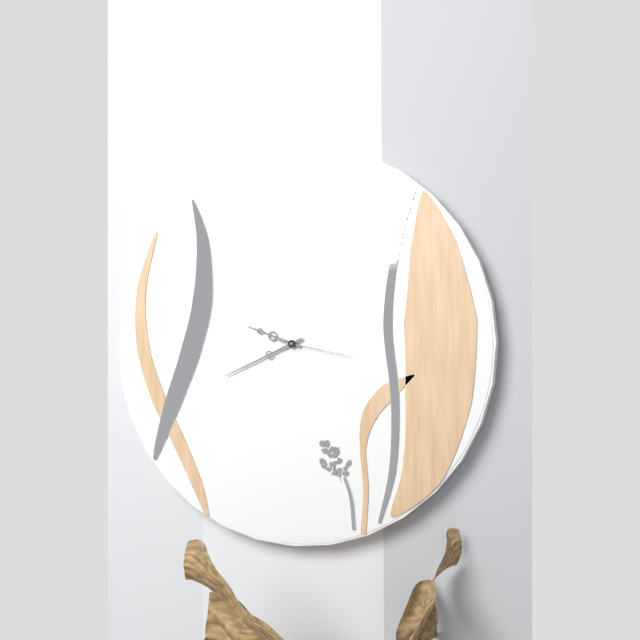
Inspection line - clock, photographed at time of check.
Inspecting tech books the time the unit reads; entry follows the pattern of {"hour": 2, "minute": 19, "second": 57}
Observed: {"hour": 9, "minute": 41, "second": 17}
